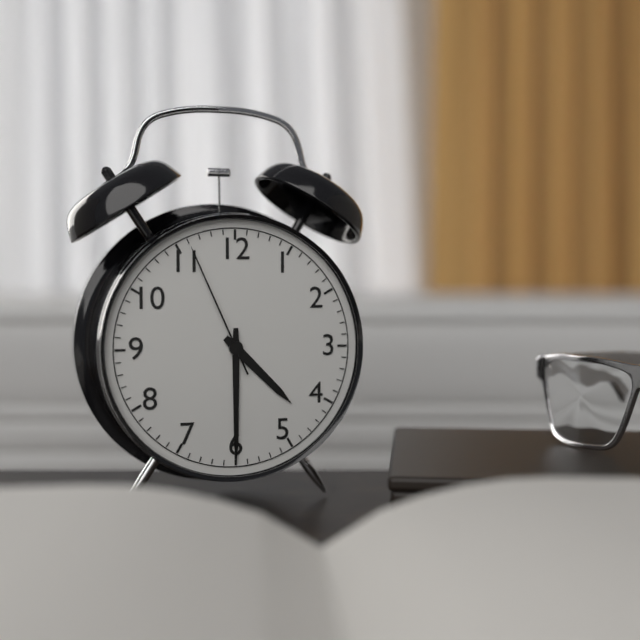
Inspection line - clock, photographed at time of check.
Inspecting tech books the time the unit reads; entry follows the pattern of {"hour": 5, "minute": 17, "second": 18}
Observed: {"hour": 4, "minute": 30, "second": 56}
